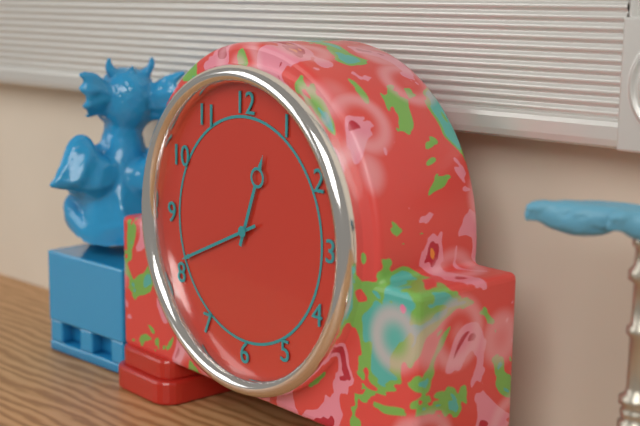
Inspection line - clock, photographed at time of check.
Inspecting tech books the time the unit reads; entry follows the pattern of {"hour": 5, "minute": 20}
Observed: {"hour": 12, "minute": 41}
